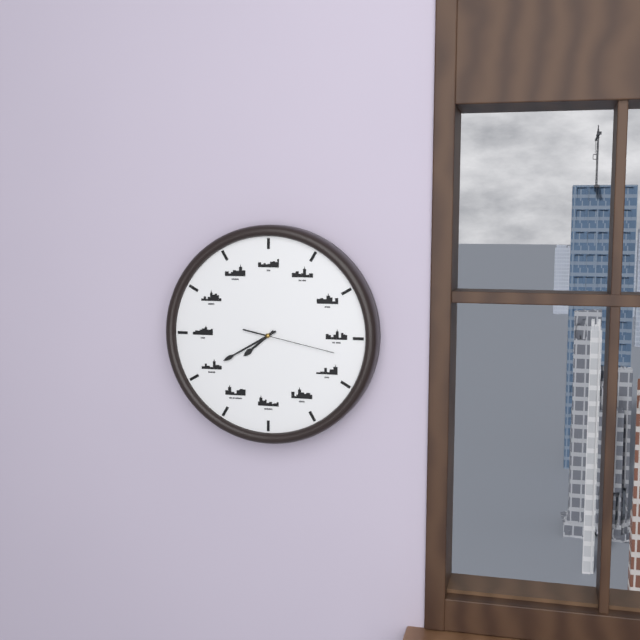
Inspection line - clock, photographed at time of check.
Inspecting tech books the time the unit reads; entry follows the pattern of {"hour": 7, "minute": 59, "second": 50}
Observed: {"hour": 7, "minute": 40, "second": 17}
